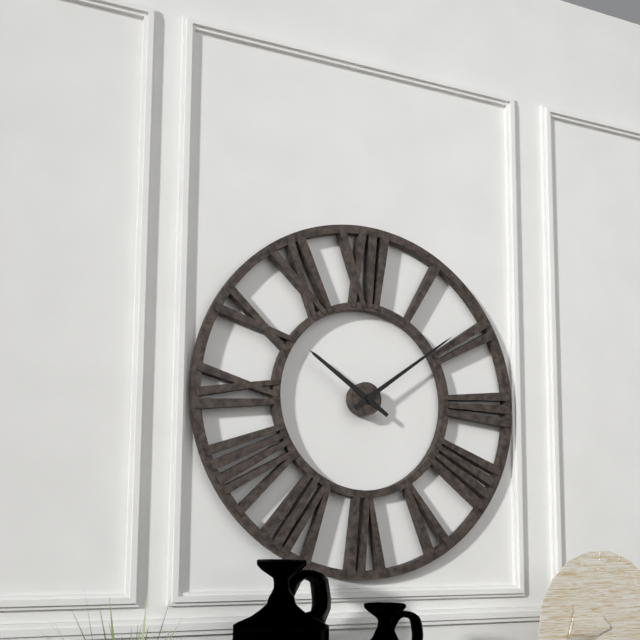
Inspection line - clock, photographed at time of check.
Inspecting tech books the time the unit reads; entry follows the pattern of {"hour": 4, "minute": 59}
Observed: {"hour": 10, "minute": 9}
